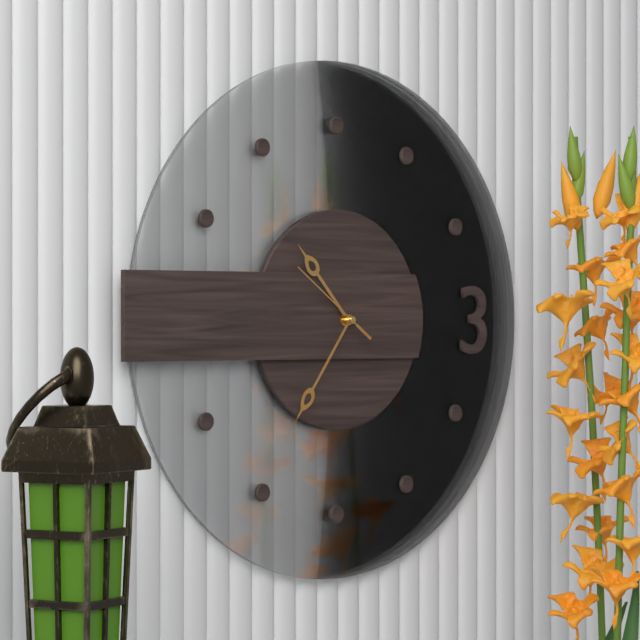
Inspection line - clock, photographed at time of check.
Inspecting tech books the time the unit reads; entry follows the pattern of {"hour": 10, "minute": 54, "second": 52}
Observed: {"hour": 10, "minute": 36, "second": 51}
